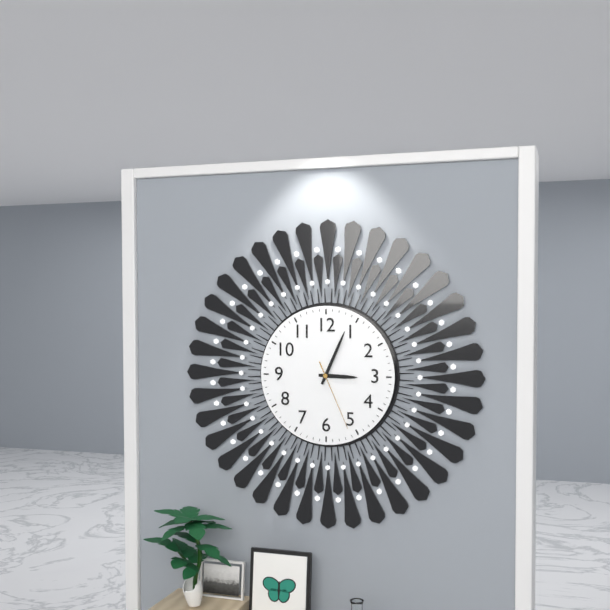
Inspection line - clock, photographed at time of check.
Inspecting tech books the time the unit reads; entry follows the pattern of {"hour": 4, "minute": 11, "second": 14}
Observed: {"hour": 3, "minute": 4, "second": 26}
